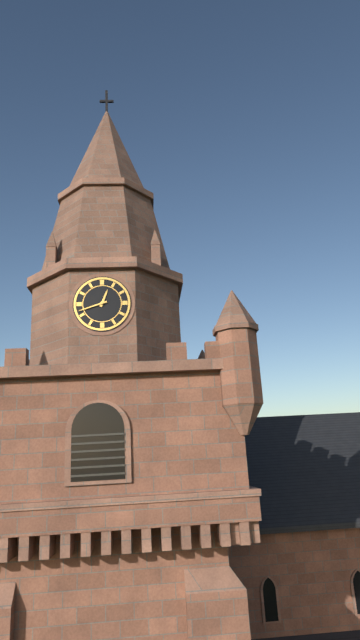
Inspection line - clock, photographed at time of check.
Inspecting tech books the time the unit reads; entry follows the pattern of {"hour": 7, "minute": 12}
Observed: {"hour": 12, "minute": 42}
